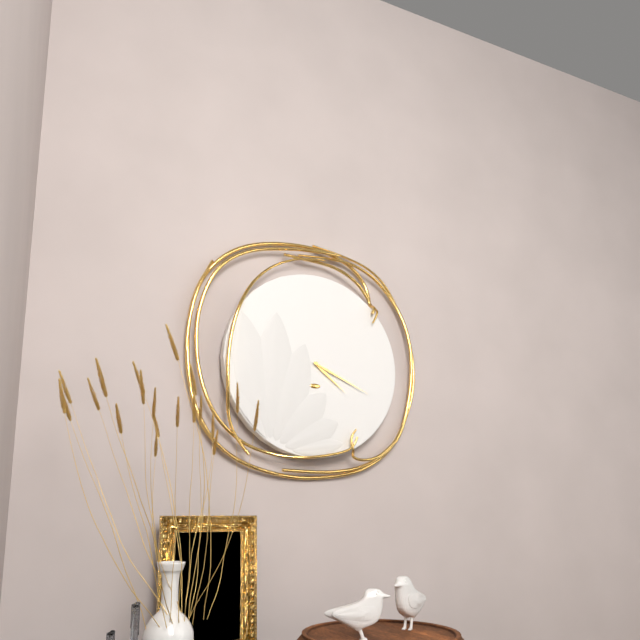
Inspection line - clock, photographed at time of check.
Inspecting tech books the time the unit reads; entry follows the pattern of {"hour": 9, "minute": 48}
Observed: {"hour": 4, "minute": 19}
